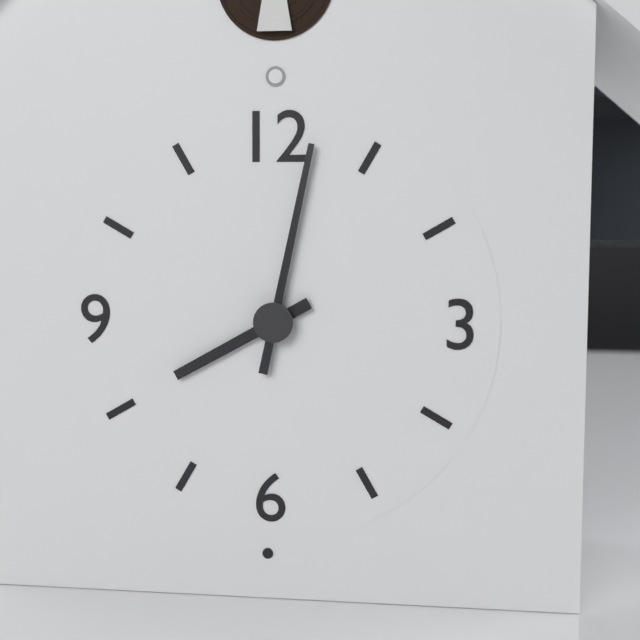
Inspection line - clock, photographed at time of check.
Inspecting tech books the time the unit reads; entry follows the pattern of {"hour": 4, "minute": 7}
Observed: {"hour": 8, "minute": 2}
